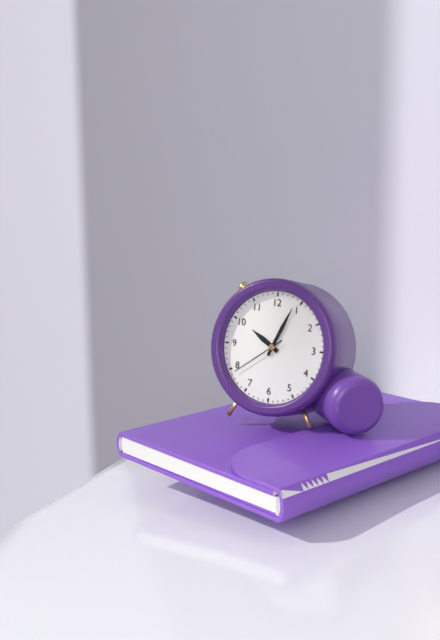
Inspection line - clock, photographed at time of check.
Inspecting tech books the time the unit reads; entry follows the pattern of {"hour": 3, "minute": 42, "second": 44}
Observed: {"hour": 10, "minute": 4, "second": 39}
